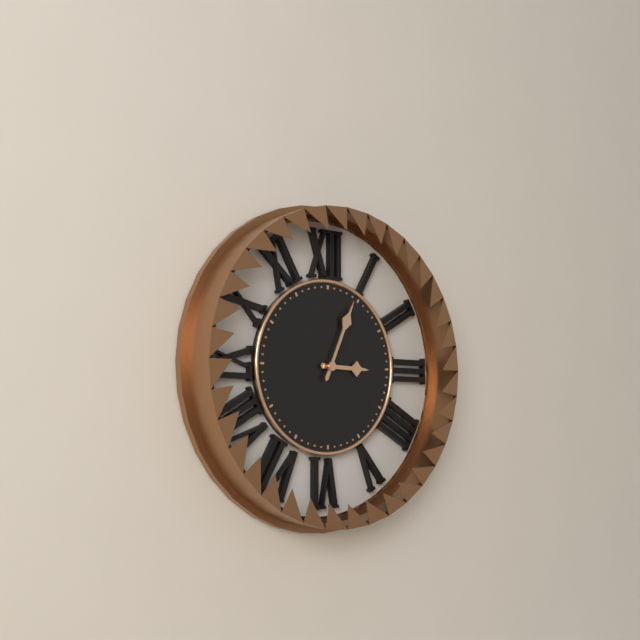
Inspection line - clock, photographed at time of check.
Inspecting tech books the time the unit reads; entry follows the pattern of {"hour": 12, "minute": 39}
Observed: {"hour": 3, "minute": 4}
